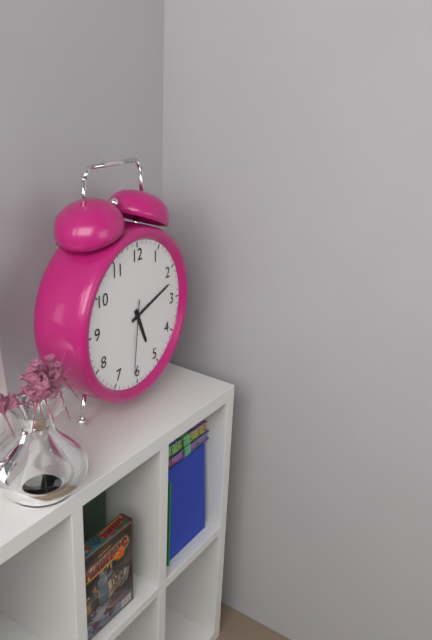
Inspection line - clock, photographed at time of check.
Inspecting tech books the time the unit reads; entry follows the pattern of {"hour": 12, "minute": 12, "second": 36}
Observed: {"hour": 5, "minute": 12, "second": 31}
